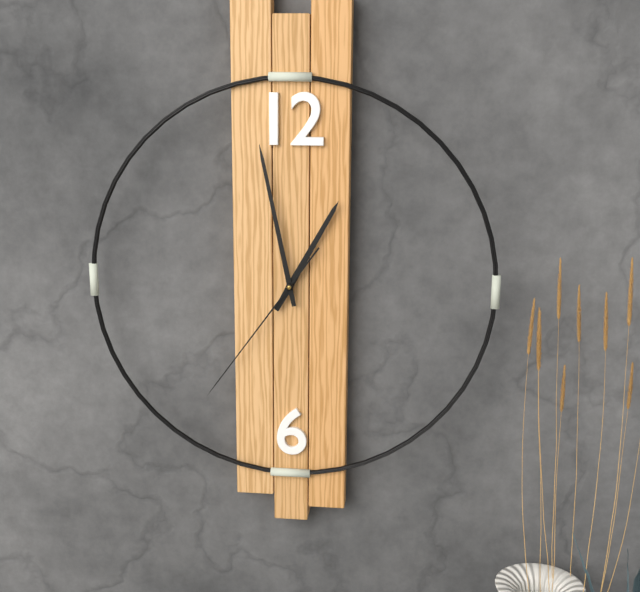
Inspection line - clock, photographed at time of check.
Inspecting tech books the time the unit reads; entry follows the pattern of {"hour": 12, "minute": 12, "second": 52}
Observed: {"hour": 12, "minute": 58, "second": 36}
